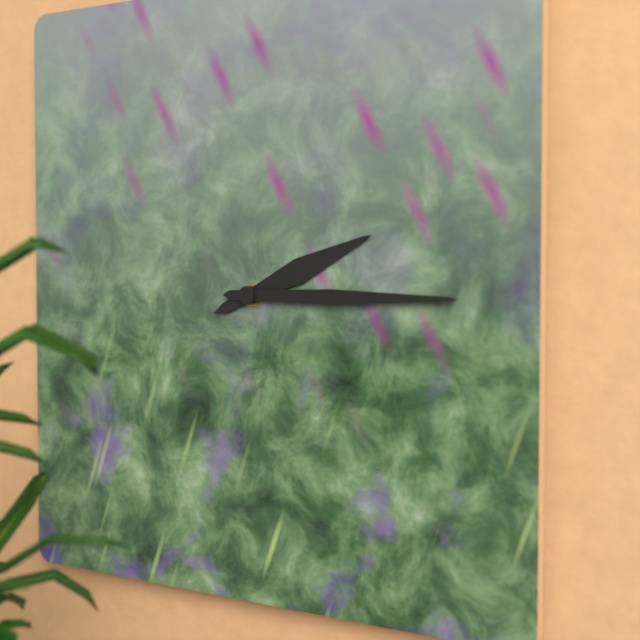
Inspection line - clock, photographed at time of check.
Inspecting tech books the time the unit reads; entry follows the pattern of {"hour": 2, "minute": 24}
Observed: {"hour": 2, "minute": 15}
